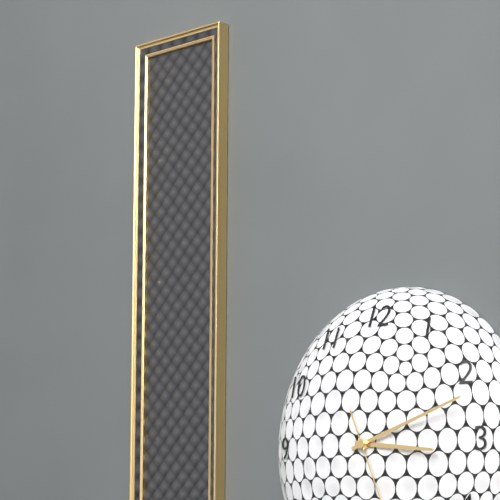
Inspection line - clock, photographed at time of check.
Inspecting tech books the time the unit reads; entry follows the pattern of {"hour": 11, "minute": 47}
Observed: {"hour": 3, "minute": 12}
